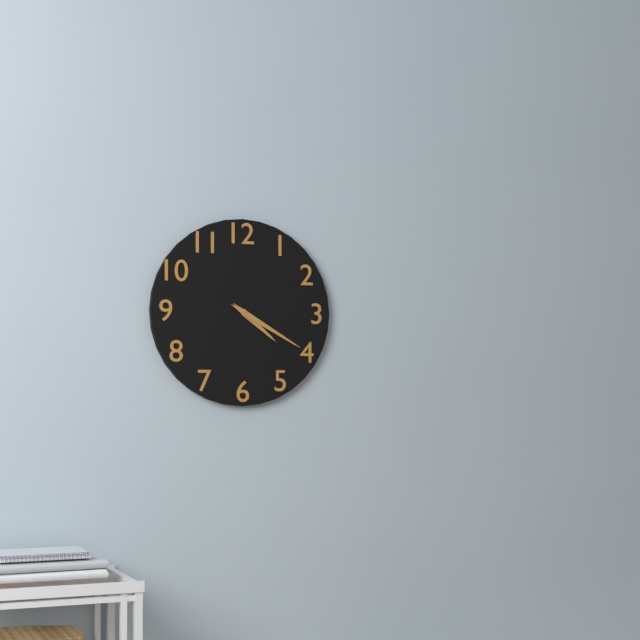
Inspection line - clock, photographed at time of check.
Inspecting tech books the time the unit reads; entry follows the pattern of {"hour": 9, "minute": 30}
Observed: {"hour": 4, "minute": 20}
